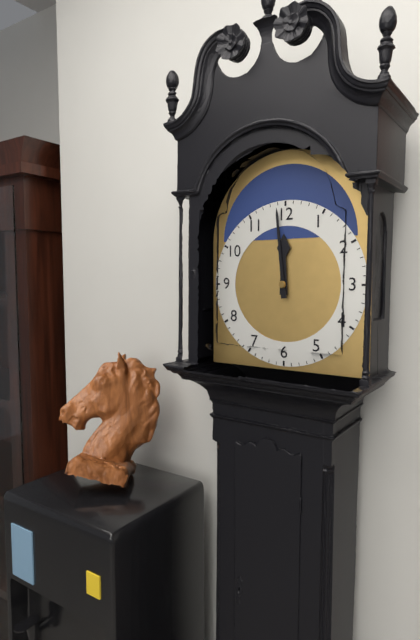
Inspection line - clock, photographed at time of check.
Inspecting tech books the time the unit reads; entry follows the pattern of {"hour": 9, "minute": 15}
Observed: {"hour": 11, "minute": 59}
